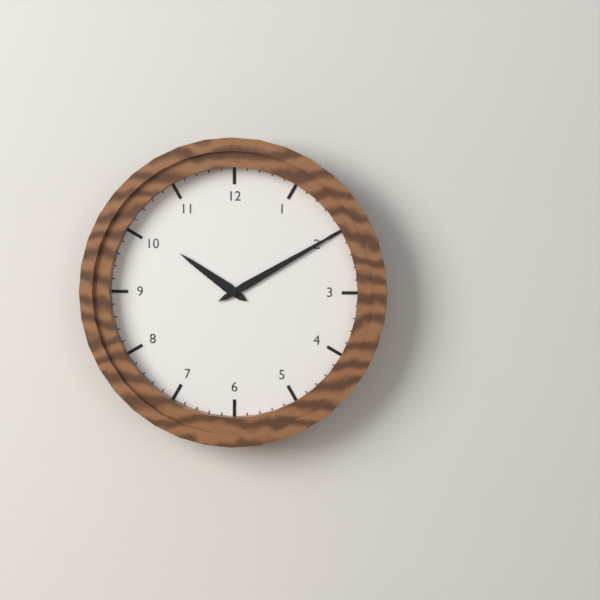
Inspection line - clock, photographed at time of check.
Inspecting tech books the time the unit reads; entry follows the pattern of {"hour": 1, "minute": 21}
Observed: {"hour": 10, "minute": 10}
